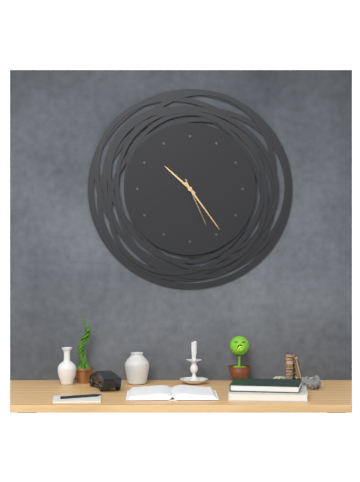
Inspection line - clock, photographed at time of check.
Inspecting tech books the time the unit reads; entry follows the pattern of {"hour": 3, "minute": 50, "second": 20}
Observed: {"hour": 10, "minute": 24, "second": 26}
